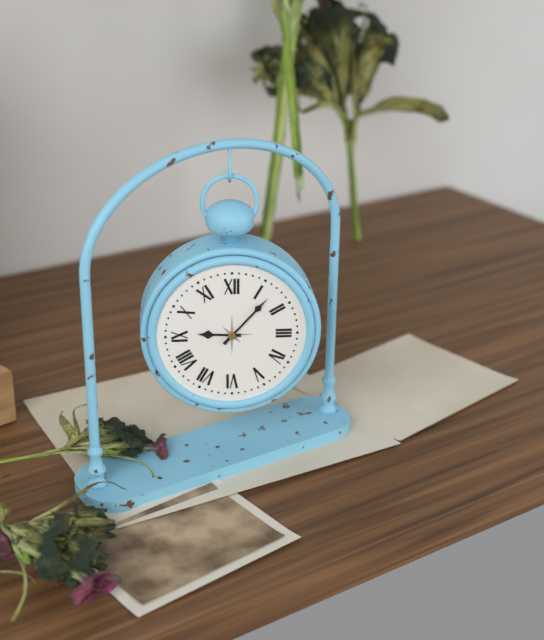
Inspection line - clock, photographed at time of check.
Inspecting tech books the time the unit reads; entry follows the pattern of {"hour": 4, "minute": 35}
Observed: {"hour": 9, "minute": 7}
